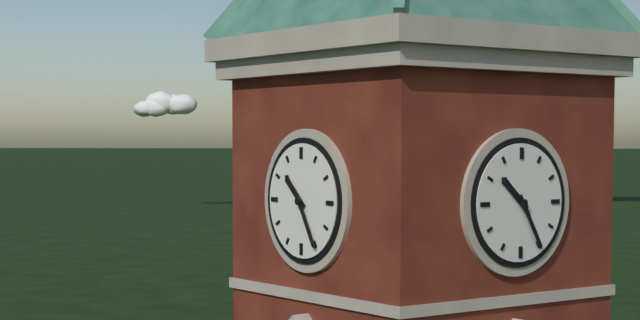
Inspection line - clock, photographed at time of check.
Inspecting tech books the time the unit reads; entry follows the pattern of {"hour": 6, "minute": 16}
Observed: {"hour": 10, "minute": 25}
